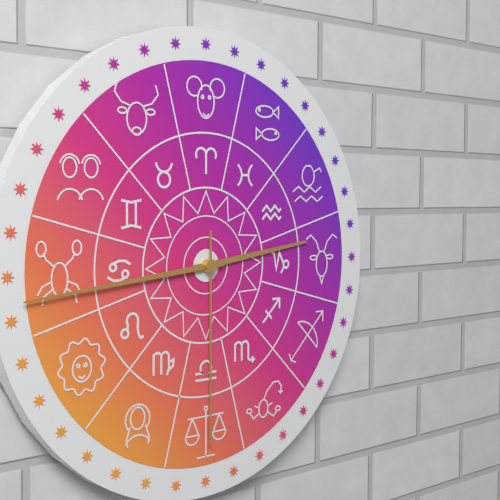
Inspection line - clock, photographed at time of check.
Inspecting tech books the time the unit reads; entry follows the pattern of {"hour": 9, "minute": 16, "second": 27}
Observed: {"hour": 2, "minute": 44, "second": 30}
